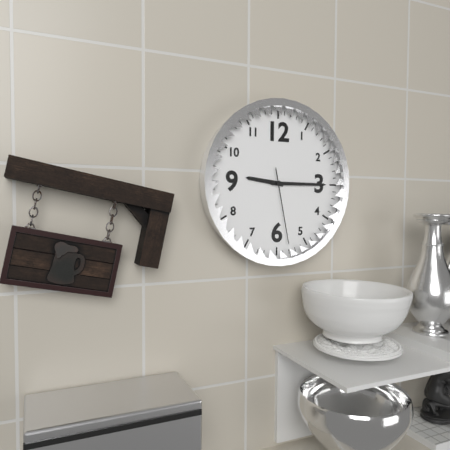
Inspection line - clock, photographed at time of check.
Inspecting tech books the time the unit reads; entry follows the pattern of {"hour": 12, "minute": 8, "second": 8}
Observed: {"hour": 9, "minute": 15, "second": 28}
